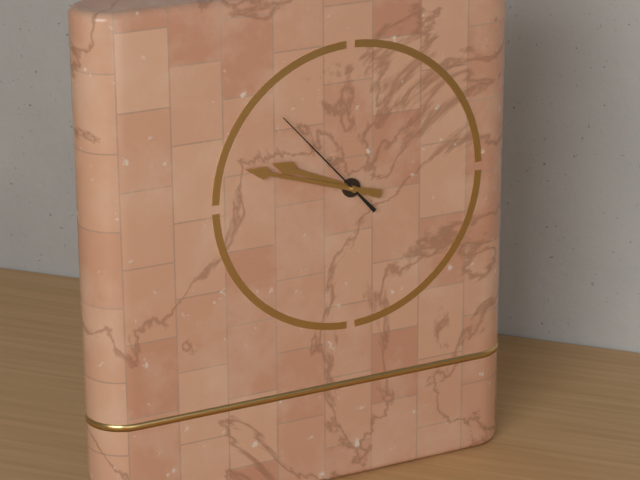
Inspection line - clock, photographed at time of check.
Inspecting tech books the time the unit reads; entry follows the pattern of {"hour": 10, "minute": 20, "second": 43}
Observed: {"hour": 9, "minute": 48, "second": 53}
